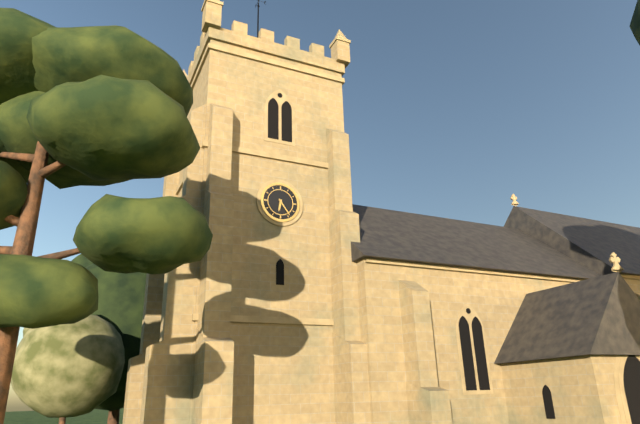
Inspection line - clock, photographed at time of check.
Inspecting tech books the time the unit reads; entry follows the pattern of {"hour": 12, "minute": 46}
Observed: {"hour": 6, "minute": 24}
